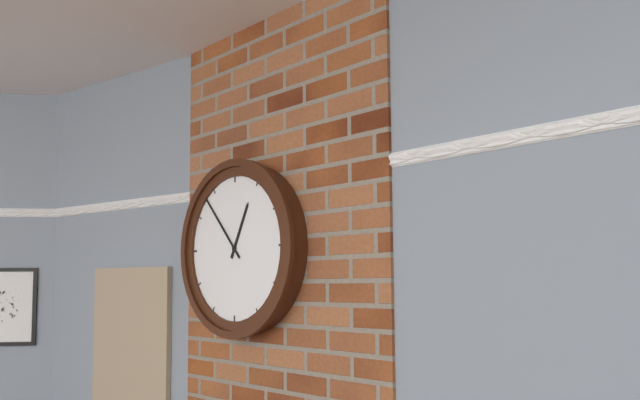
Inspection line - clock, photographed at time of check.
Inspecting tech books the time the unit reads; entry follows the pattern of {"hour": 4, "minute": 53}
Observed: {"hour": 12, "minute": 53}
